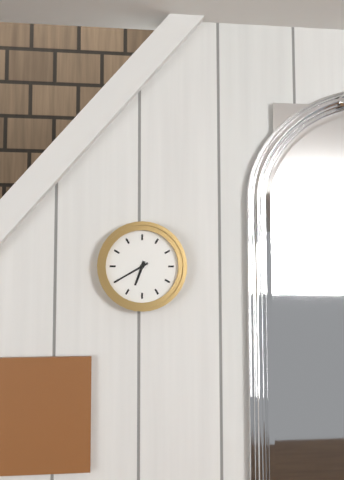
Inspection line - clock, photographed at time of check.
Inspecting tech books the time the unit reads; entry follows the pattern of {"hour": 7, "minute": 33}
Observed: {"hour": 6, "minute": 40}
